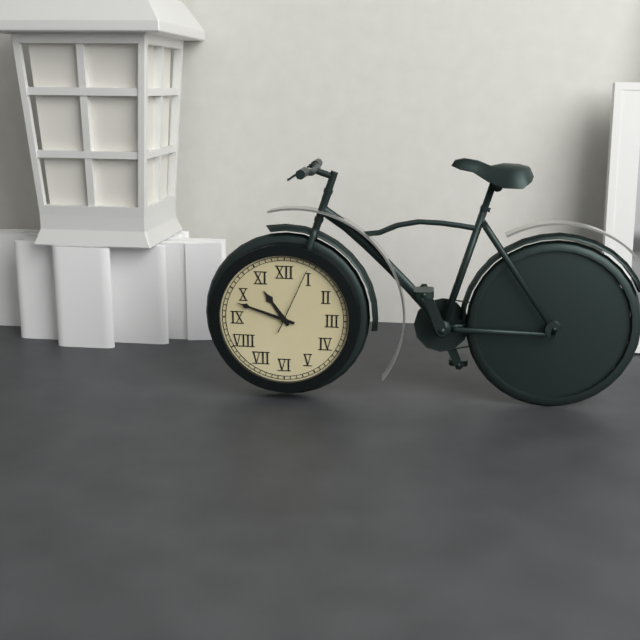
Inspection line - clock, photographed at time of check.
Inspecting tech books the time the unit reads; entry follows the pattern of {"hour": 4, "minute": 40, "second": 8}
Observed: {"hour": 10, "minute": 48, "second": 4}
